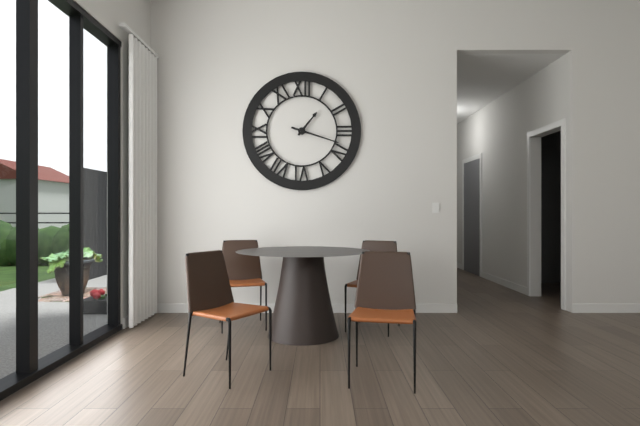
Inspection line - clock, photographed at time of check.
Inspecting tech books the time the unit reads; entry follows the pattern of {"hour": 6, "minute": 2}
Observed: {"hour": 1, "minute": 18}
